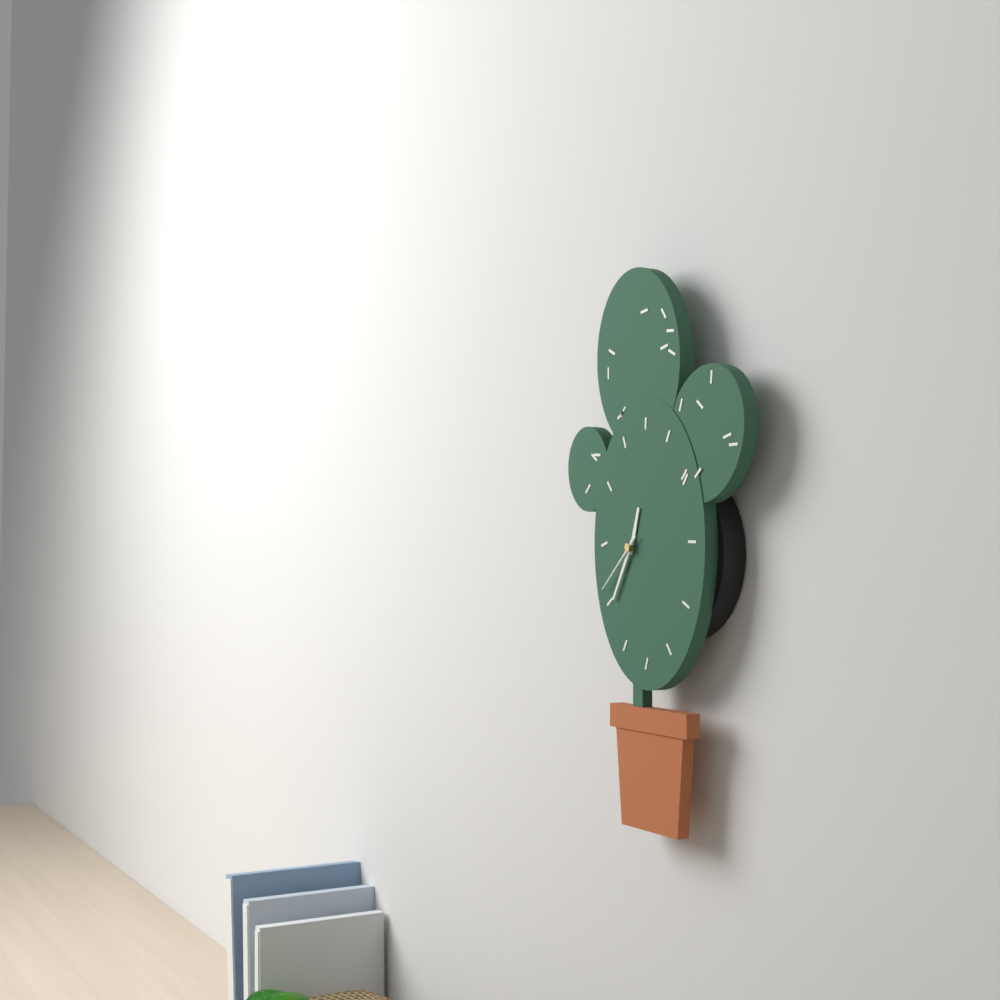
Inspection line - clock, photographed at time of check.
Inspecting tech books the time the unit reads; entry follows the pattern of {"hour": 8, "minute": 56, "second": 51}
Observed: {"hour": 12, "minute": 35, "second": 38}
